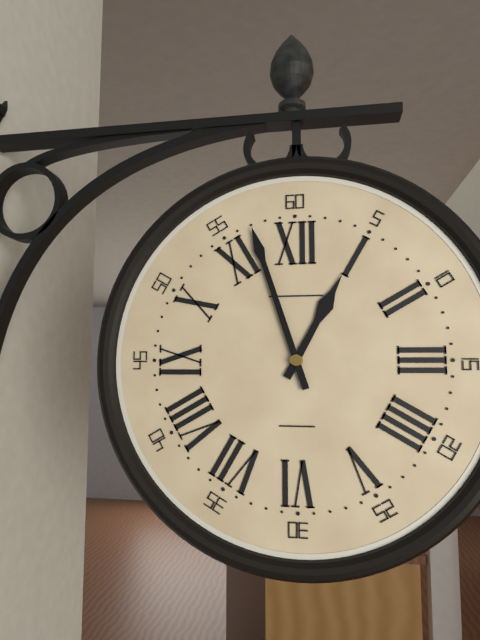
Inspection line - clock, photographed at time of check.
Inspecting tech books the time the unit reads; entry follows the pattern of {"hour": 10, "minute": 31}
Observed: {"hour": 12, "minute": 57}
